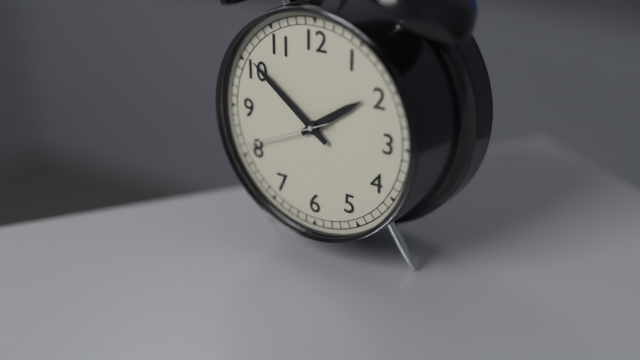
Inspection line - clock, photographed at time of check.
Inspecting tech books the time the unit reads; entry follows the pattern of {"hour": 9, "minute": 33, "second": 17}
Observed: {"hour": 1, "minute": 51, "second": 41}
